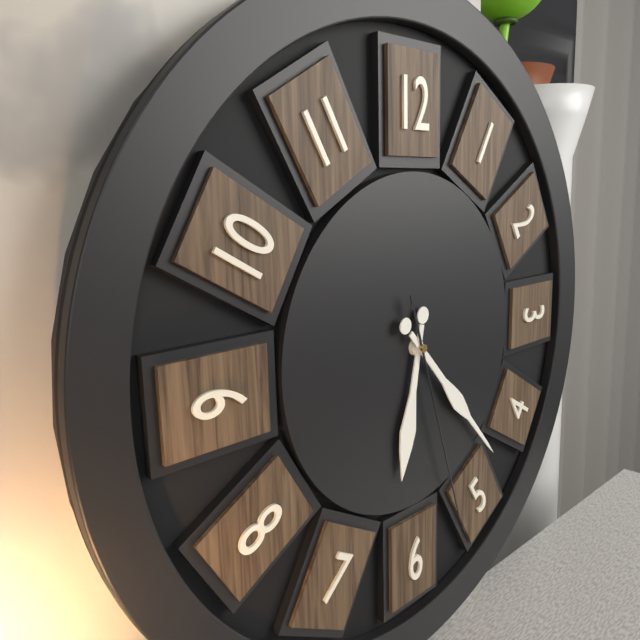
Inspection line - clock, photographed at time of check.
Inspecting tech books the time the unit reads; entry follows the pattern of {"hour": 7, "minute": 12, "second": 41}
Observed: {"hour": 6, "minute": 23, "second": 27}
